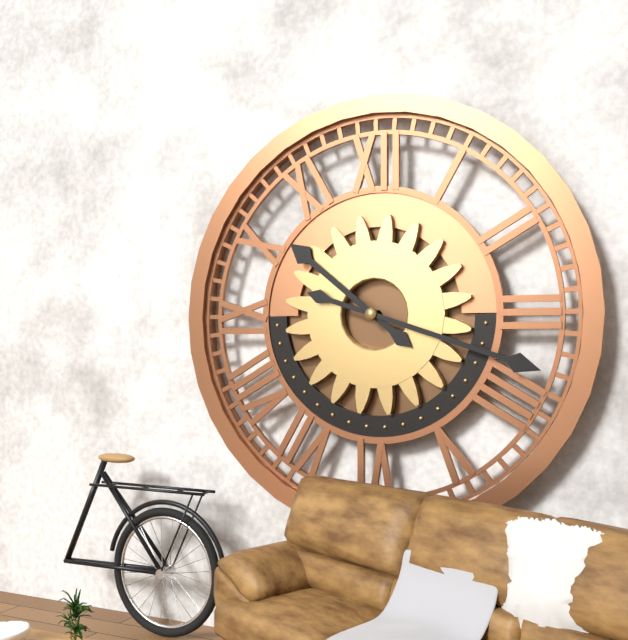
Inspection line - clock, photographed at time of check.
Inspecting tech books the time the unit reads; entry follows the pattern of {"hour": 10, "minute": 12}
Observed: {"hour": 10, "minute": 18}
